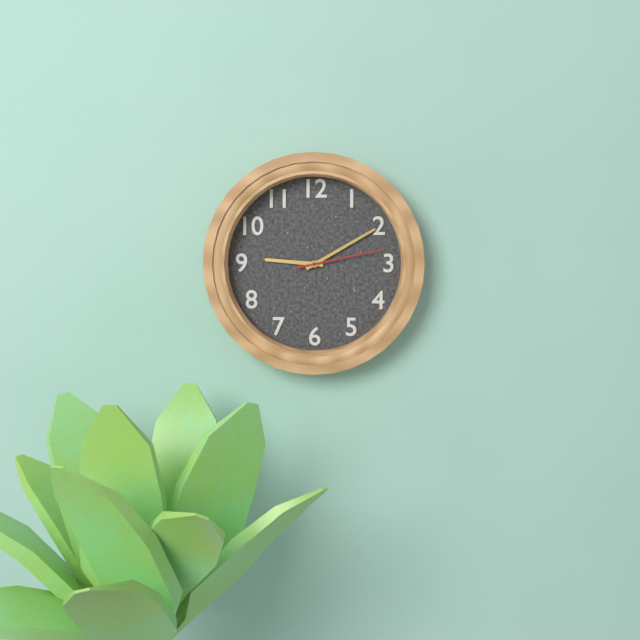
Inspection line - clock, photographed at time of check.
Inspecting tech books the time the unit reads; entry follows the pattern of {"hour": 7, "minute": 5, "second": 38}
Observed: {"hour": 9, "minute": 10, "second": 13}
